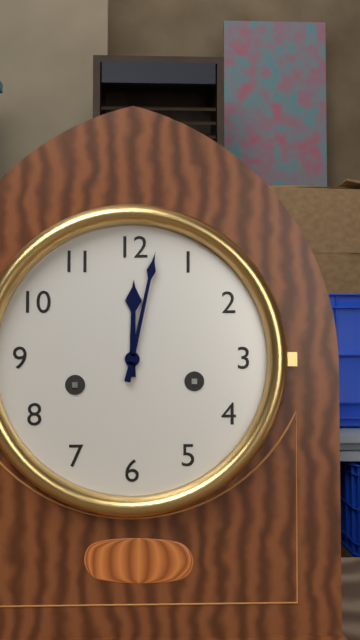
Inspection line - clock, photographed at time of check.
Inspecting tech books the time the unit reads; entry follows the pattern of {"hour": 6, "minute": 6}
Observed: {"hour": 12, "minute": 2}
